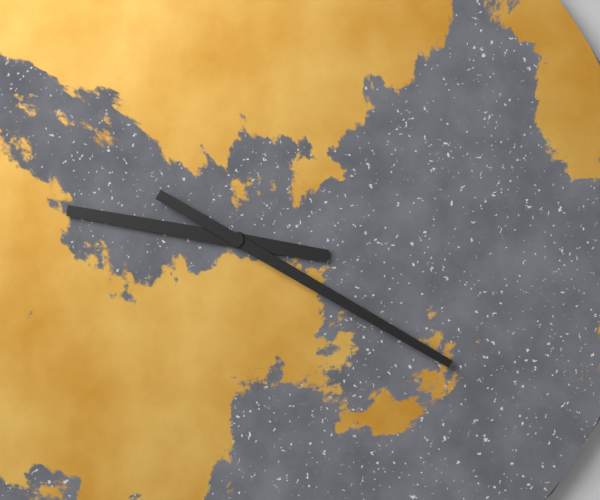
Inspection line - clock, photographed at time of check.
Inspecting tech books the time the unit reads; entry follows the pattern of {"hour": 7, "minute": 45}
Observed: {"hour": 9, "minute": 20}
